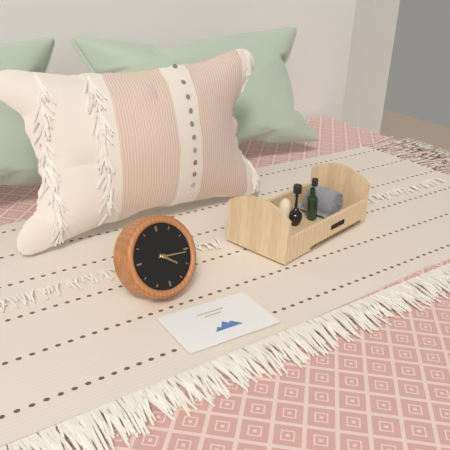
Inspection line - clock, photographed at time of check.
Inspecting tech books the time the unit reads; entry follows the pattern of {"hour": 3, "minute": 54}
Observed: {"hour": 4, "minute": 16}
